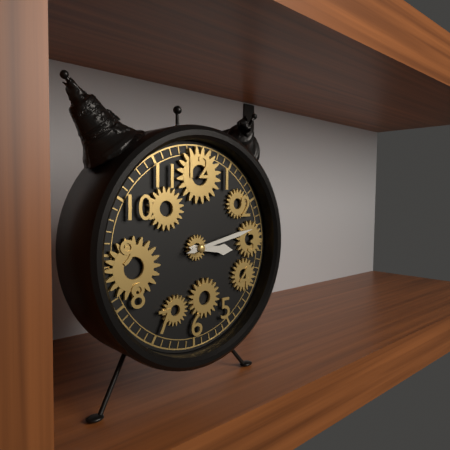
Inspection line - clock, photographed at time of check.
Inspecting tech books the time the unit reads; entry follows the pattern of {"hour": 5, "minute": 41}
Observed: {"hour": 3, "minute": 13}
